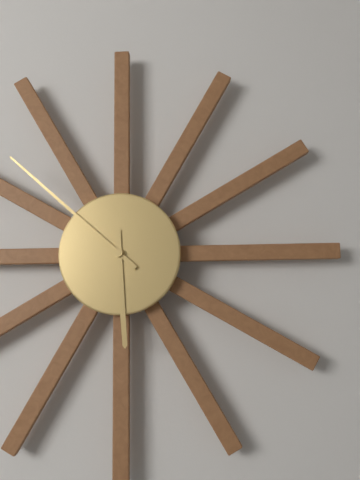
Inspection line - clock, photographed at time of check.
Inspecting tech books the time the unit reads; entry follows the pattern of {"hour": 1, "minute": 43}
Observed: {"hour": 5, "minute": 52}
